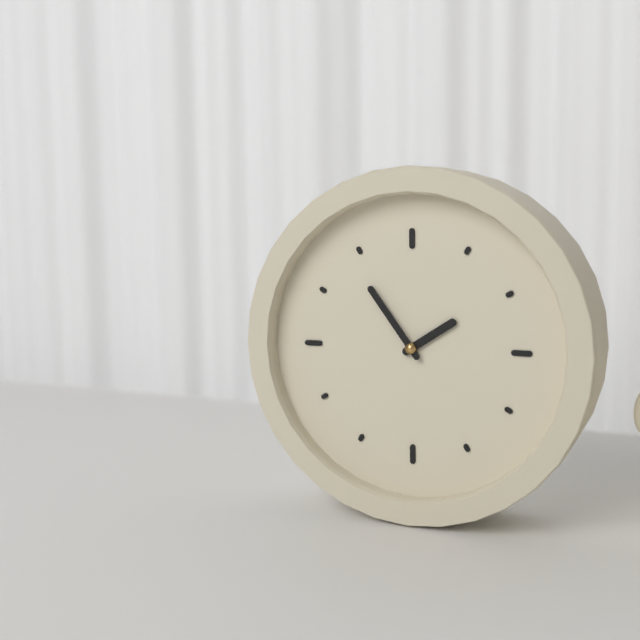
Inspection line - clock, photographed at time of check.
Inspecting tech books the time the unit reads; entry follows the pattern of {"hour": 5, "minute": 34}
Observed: {"hour": 1, "minute": 54}
